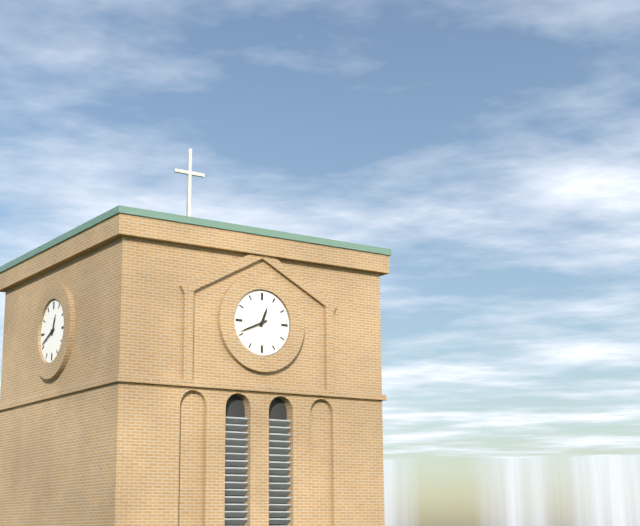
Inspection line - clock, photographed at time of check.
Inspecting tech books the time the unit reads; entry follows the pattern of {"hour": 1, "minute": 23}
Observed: {"hour": 12, "minute": 41}
